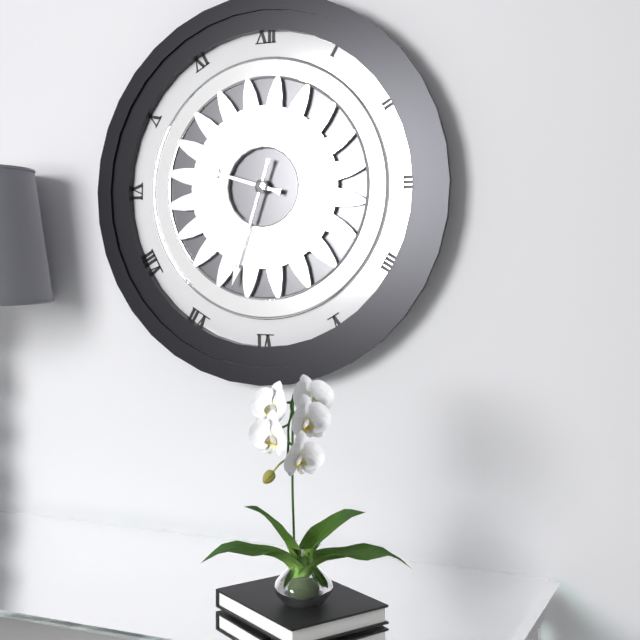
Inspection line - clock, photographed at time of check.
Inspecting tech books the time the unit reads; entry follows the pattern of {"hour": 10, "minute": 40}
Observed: {"hour": 9, "minute": 33}
